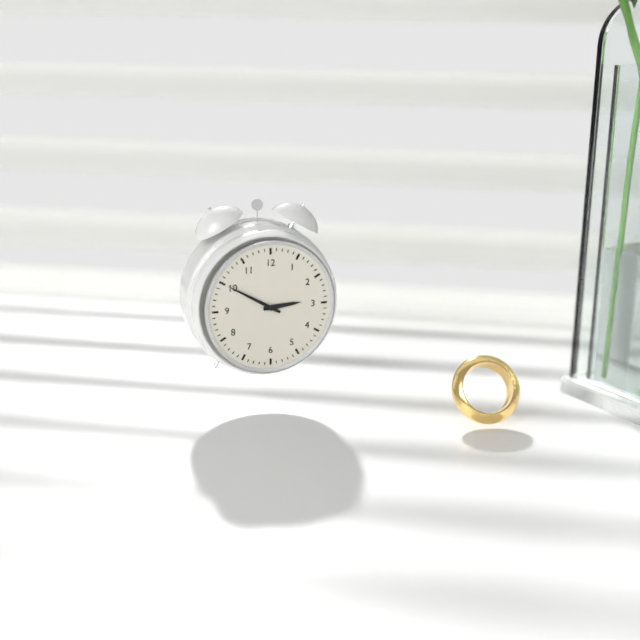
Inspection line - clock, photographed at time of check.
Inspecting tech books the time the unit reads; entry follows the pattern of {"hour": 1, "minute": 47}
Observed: {"hour": 2, "minute": 50}
